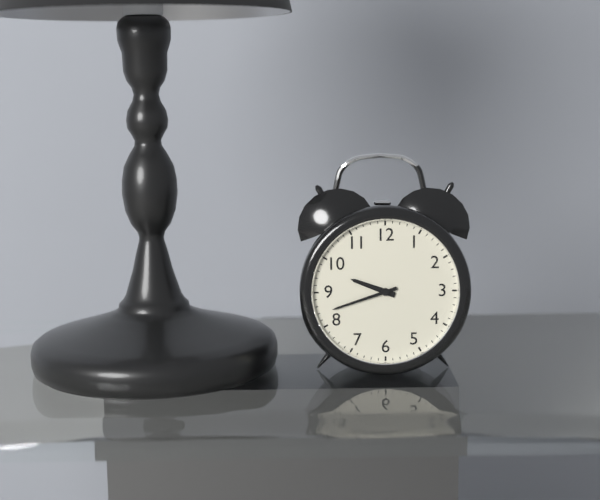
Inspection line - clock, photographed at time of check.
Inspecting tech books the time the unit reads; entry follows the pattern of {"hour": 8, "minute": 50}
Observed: {"hour": 9, "minute": 42}
